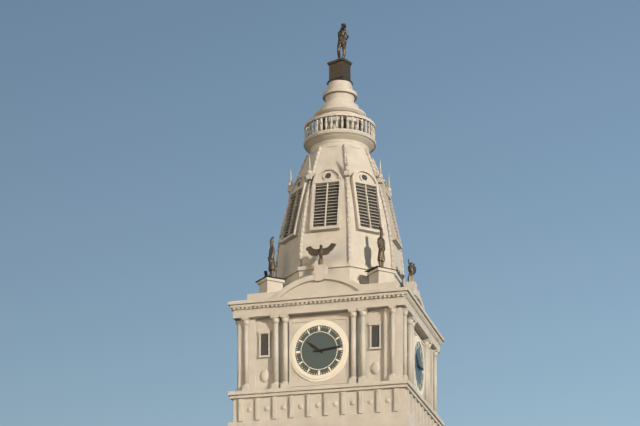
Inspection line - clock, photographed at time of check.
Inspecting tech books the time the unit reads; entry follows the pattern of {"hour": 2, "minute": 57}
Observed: {"hour": 10, "minute": 14}
